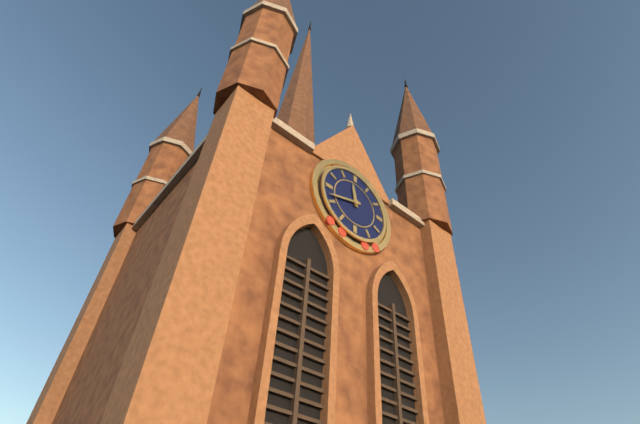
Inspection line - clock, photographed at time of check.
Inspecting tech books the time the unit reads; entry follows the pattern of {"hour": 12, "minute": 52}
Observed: {"hour": 11, "minute": 42}
